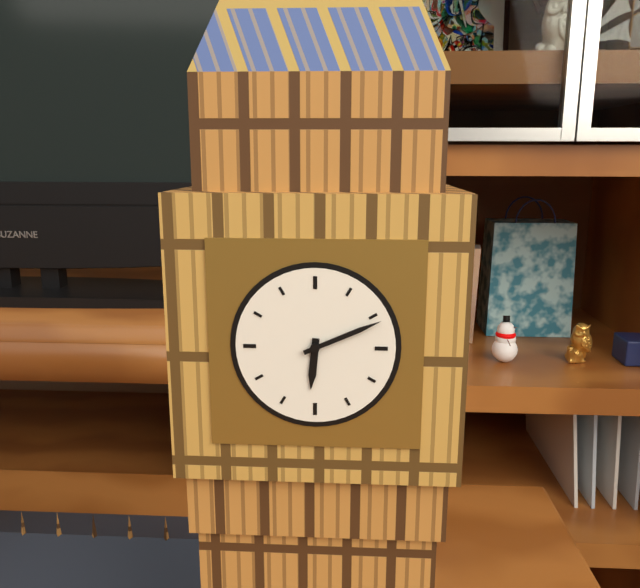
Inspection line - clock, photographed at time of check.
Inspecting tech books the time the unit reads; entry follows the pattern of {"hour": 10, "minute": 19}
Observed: {"hour": 6, "minute": 11}
